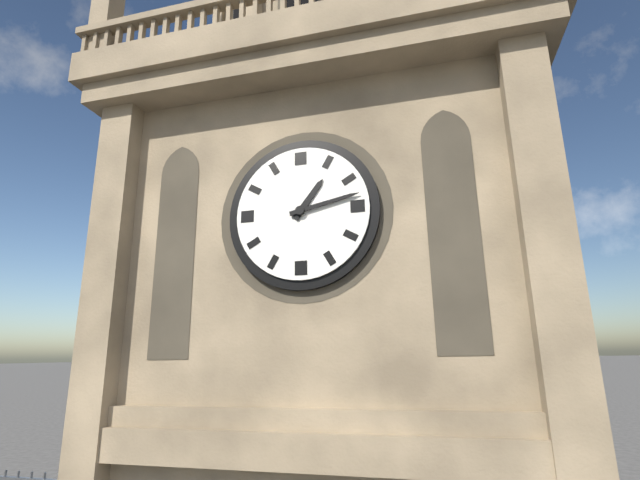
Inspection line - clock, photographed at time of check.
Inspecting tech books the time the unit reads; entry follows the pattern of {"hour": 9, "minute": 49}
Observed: {"hour": 1, "minute": 13}
